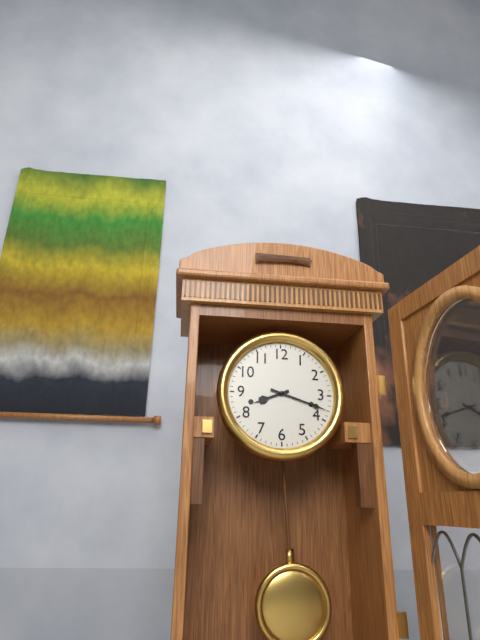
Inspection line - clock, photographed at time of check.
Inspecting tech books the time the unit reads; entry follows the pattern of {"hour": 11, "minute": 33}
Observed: {"hour": 8, "minute": 18}
